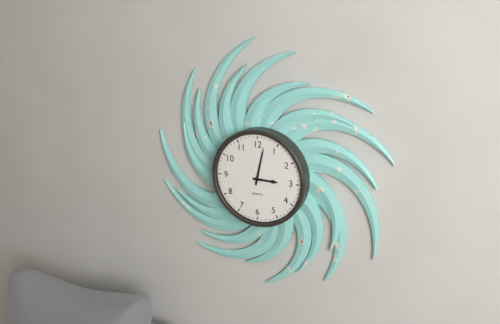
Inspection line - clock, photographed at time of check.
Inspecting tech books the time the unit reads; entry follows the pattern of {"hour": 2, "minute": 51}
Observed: {"hour": 3, "minute": 2}
